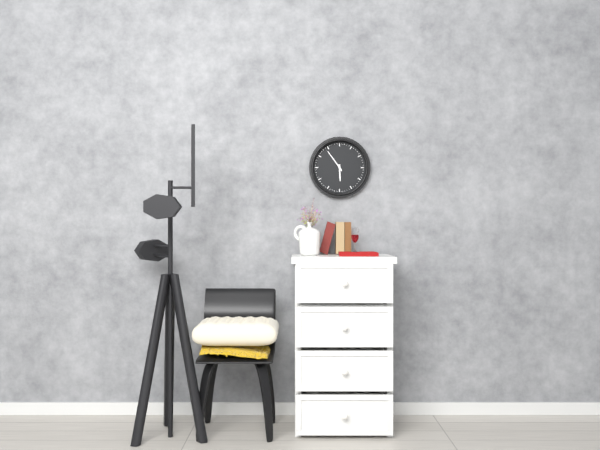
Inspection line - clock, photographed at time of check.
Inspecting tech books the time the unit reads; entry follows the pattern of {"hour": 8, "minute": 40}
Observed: {"hour": 5, "minute": 54}
